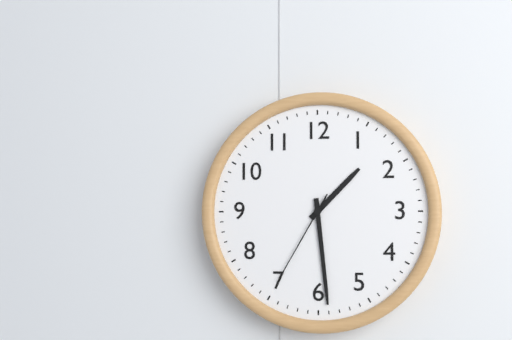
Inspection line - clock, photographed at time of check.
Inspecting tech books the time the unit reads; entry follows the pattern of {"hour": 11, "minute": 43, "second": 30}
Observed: {"hour": 1, "minute": 29, "second": 35}
